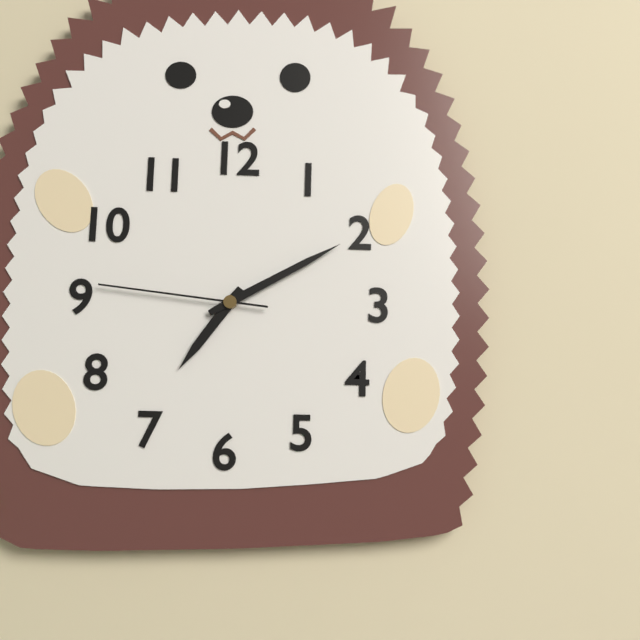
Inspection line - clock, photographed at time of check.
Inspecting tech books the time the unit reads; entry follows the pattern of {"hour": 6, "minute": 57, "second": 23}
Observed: {"hour": 7, "minute": 10, "second": 46}
